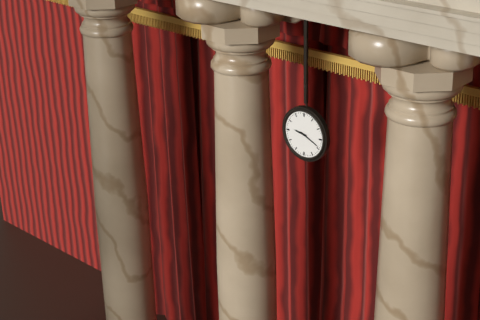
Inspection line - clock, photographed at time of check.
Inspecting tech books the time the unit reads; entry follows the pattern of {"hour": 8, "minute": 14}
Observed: {"hour": 9, "minute": 19}
